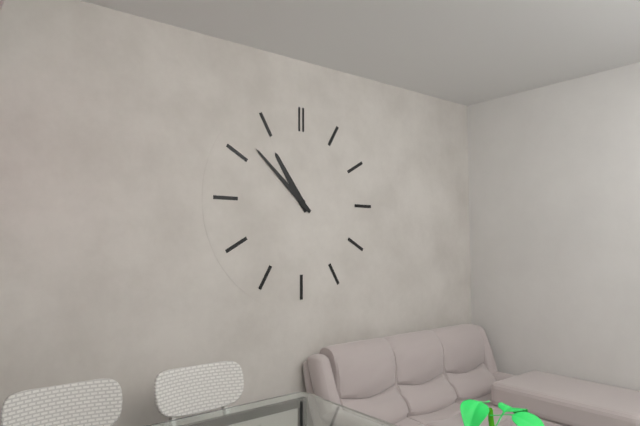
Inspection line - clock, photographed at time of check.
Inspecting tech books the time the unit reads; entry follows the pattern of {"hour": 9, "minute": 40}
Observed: {"hour": 10, "minute": 52}
